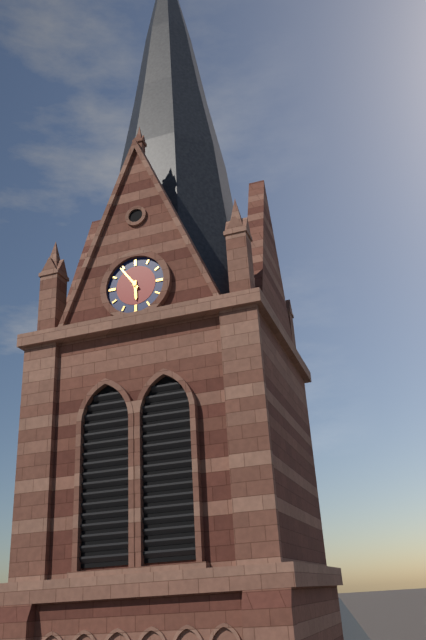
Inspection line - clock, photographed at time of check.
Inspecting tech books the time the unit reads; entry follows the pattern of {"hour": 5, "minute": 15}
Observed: {"hour": 5, "minute": 54}
